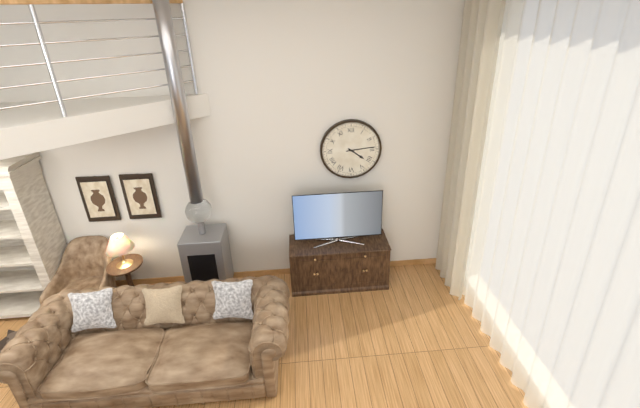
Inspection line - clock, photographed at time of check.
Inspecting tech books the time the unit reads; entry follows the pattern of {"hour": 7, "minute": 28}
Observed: {"hour": 4, "minute": 14}
